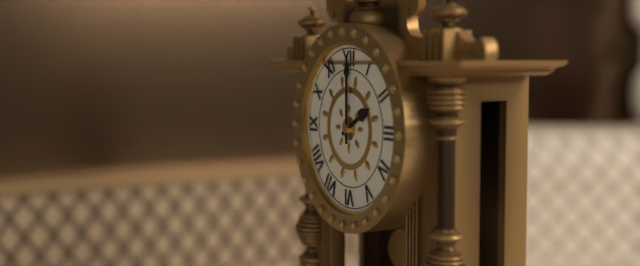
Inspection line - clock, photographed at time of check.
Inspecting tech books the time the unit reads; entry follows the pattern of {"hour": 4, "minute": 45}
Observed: {"hour": 2, "minute": 0}
